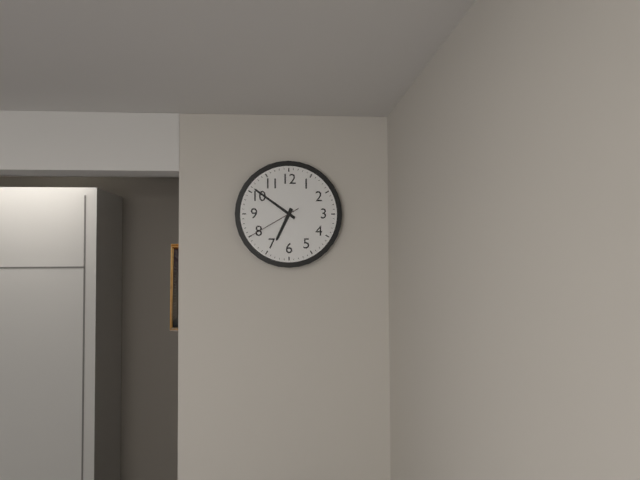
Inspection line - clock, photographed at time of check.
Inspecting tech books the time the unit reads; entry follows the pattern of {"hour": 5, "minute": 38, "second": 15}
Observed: {"hour": 6, "minute": 51, "second": 40}
